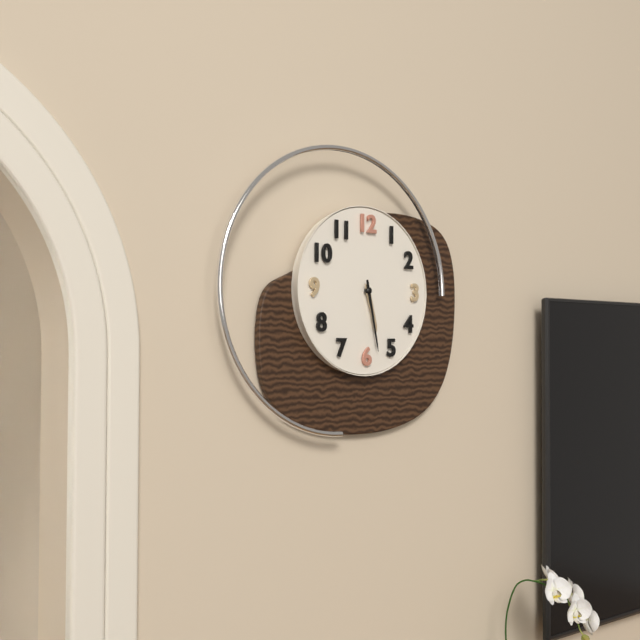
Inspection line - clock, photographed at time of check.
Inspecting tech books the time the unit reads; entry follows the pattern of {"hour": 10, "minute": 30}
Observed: {"hour": 5, "minute": 28}
